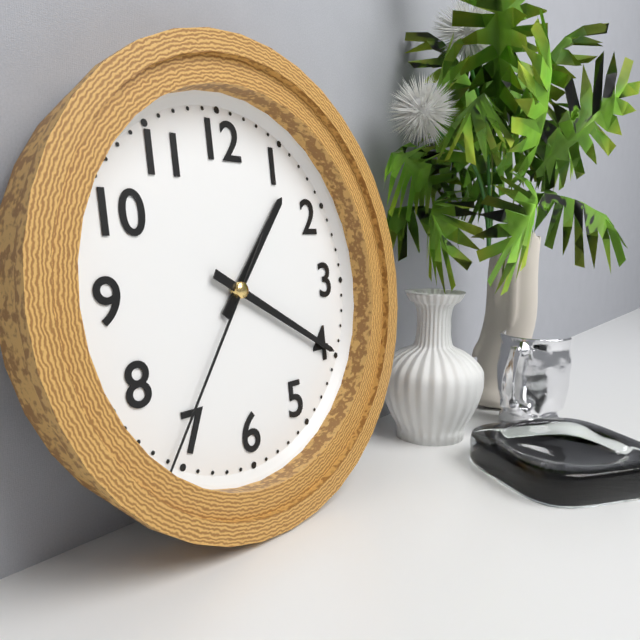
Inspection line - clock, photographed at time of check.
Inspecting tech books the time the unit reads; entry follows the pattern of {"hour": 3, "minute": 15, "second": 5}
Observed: {"hour": 1, "minute": 20, "second": 36}
